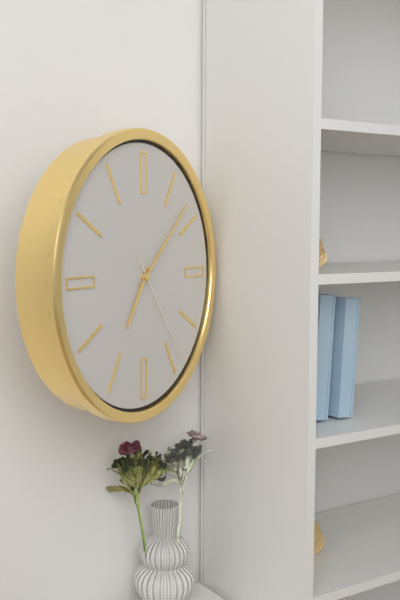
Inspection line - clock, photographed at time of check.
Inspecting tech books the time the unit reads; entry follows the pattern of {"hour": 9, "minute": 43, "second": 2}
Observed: {"hour": 7, "minute": 8, "second": 24}
